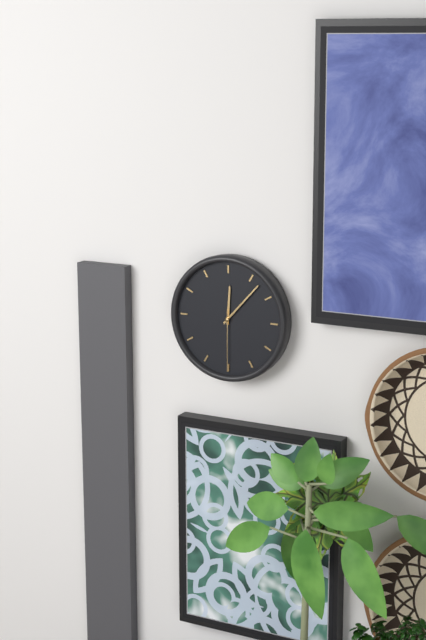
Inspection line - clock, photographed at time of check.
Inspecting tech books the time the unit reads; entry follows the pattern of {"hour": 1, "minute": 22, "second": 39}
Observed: {"hour": 12, "minute": 7, "second": 30}
